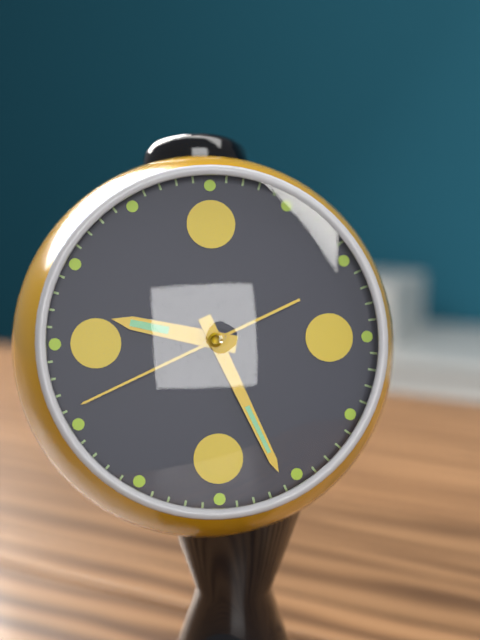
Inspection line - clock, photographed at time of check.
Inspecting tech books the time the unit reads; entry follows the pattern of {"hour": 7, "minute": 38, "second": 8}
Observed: {"hour": 9, "minute": 26, "second": 41}
